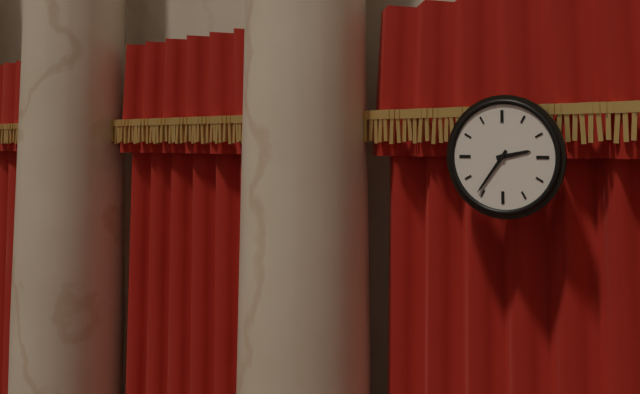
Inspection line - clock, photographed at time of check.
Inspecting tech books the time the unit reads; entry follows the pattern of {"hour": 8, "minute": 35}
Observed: {"hour": 2, "minute": 36}
